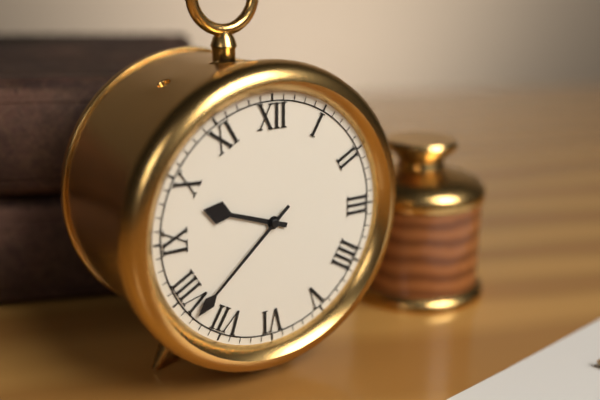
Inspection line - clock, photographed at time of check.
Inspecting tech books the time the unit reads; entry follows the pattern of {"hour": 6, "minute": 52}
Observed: {"hour": 9, "minute": 38}
